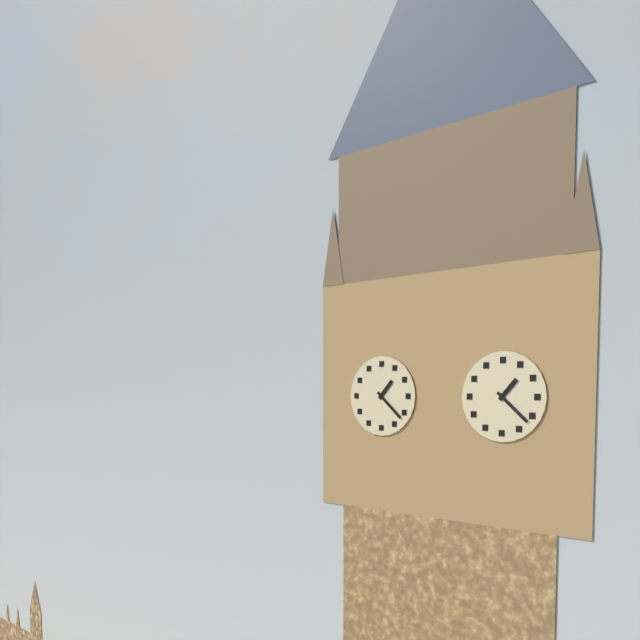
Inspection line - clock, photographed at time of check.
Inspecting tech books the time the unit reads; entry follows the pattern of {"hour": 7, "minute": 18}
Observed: {"hour": 1, "minute": 22}
